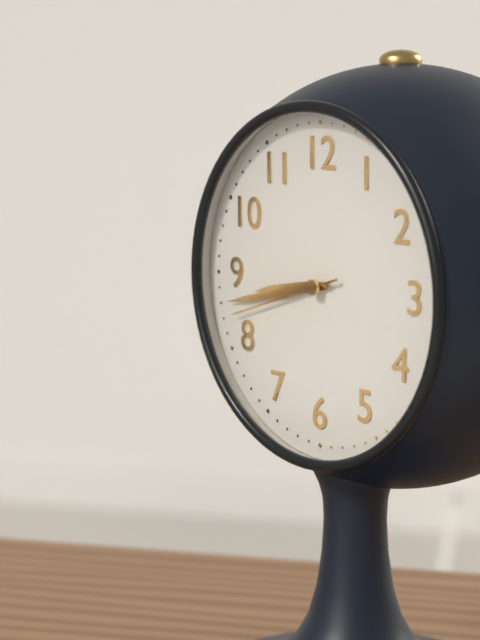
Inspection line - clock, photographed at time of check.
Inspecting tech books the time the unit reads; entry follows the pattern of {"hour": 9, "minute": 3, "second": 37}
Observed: {"hour": 8, "minute": 43, "second": 42}
